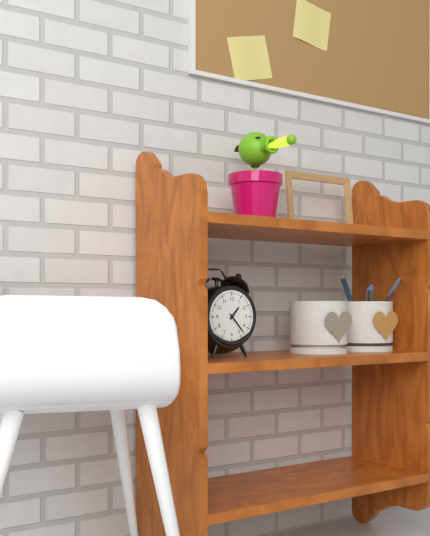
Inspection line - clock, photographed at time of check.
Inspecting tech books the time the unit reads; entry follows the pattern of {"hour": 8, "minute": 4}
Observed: {"hour": 1, "minute": 23}
